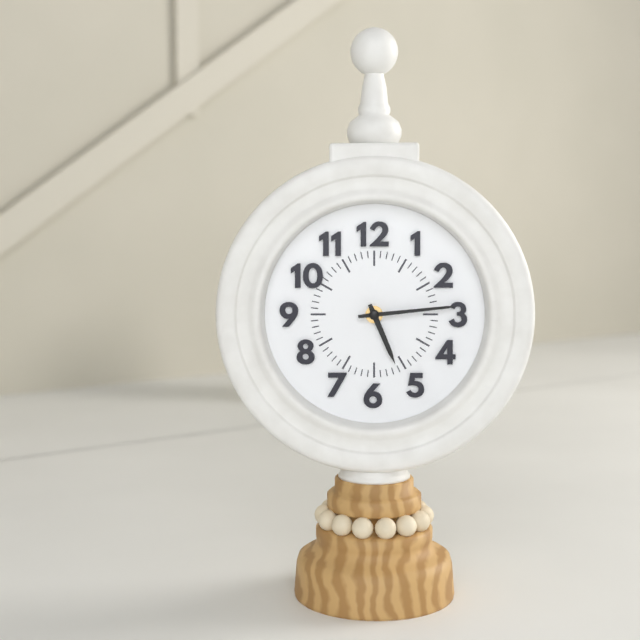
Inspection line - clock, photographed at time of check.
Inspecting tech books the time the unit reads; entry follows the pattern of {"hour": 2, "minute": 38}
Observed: {"hour": 5, "minute": 14}
